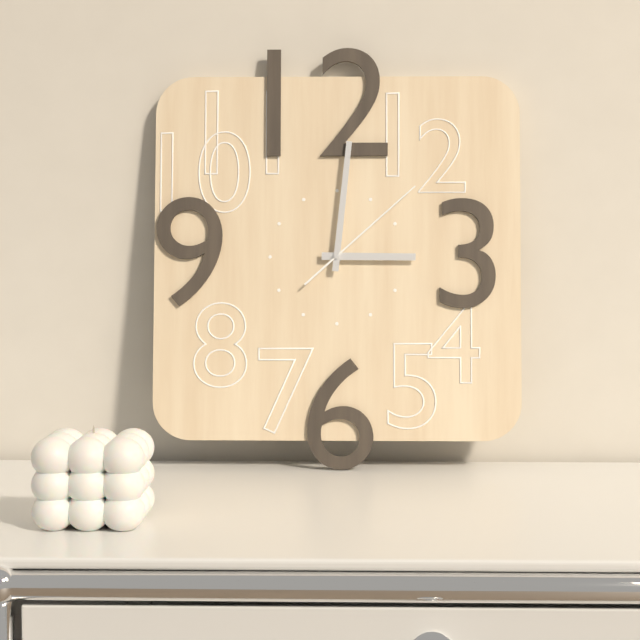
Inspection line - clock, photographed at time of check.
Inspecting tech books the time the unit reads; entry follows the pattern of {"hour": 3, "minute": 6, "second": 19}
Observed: {"hour": 3, "minute": 1, "second": 8}
